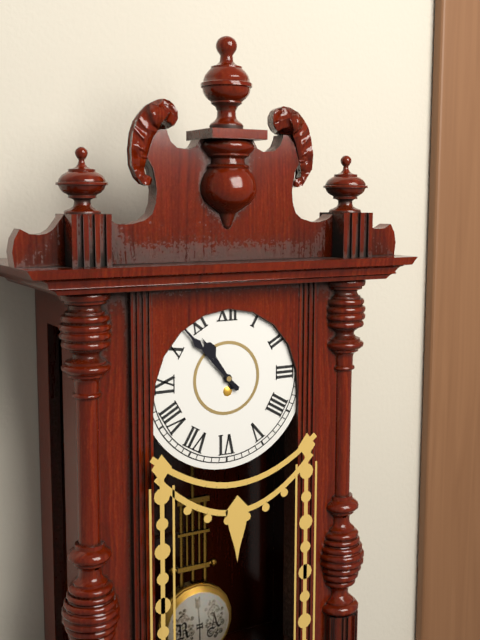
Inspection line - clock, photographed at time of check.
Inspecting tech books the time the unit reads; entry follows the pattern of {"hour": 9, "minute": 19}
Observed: {"hour": 10, "minute": 53}
